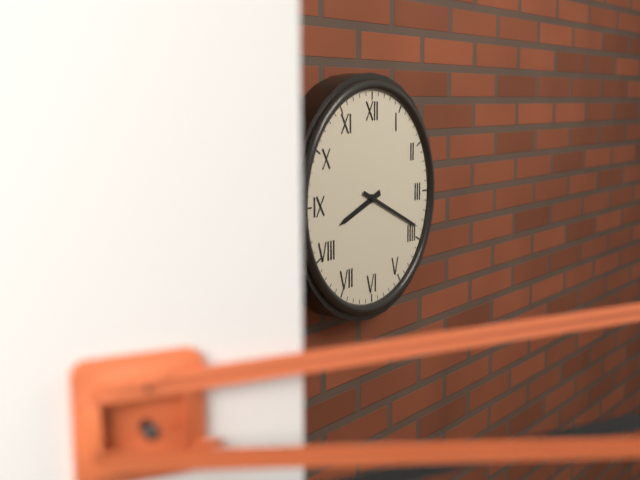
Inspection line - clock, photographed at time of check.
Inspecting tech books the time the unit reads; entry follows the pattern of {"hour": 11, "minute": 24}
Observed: {"hour": 8, "minute": 19}
